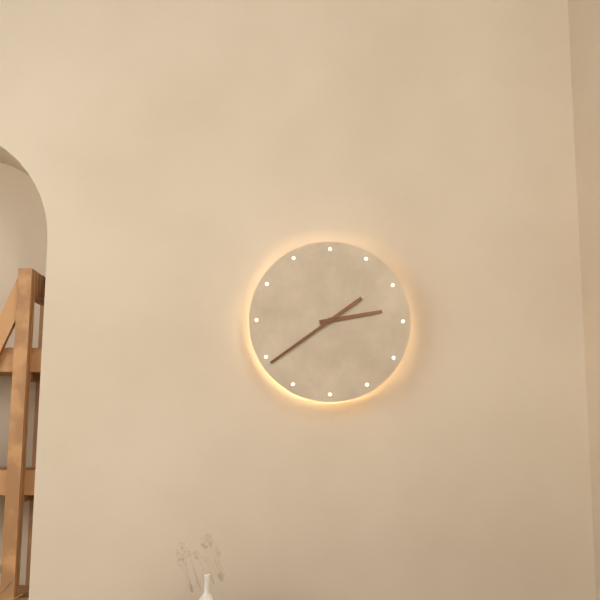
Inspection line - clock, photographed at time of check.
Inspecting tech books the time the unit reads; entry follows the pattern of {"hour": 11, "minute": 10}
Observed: {"hour": 2, "minute": 39}
